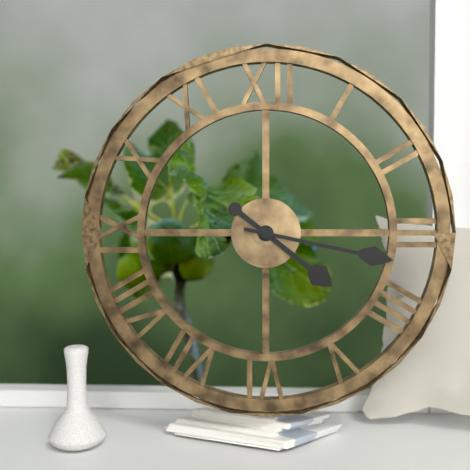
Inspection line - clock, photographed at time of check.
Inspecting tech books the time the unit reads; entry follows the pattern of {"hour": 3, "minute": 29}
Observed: {"hour": 4, "minute": 17}
